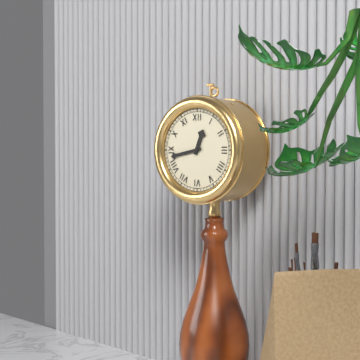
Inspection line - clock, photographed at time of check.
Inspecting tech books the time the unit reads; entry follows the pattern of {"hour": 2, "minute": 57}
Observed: {"hour": 12, "minute": 43}
